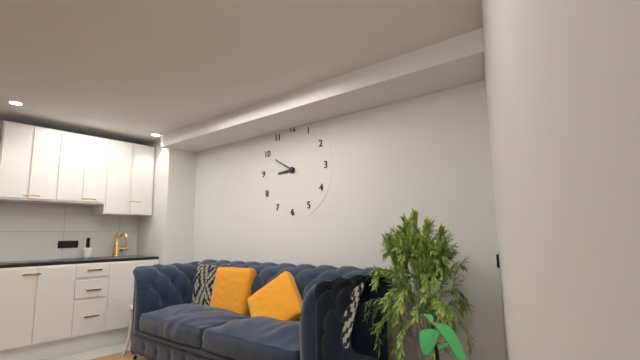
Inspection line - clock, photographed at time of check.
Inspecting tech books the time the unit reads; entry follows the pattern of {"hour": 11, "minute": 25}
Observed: {"hour": 8, "minute": 50}
